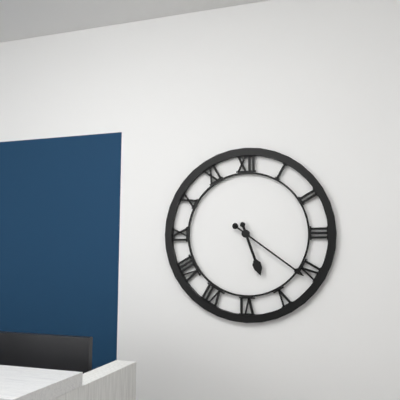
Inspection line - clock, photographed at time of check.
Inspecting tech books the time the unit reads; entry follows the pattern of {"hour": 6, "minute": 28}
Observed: {"hour": 5, "minute": 21}
